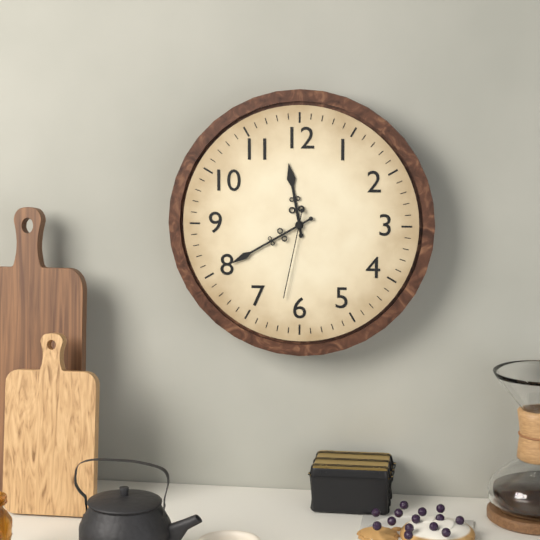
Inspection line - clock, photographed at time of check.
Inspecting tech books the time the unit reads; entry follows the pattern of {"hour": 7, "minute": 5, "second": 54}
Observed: {"hour": 11, "minute": 40, "second": 32}
